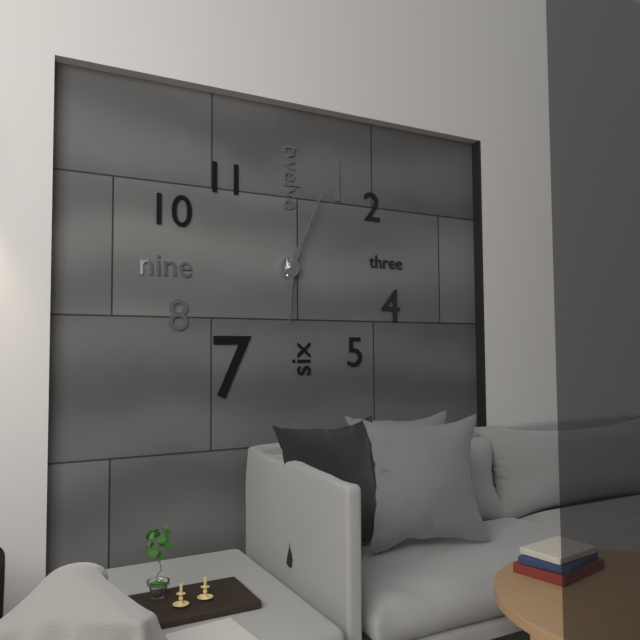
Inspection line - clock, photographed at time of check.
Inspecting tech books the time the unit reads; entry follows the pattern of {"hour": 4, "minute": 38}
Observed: {"hour": 6, "minute": 4}
